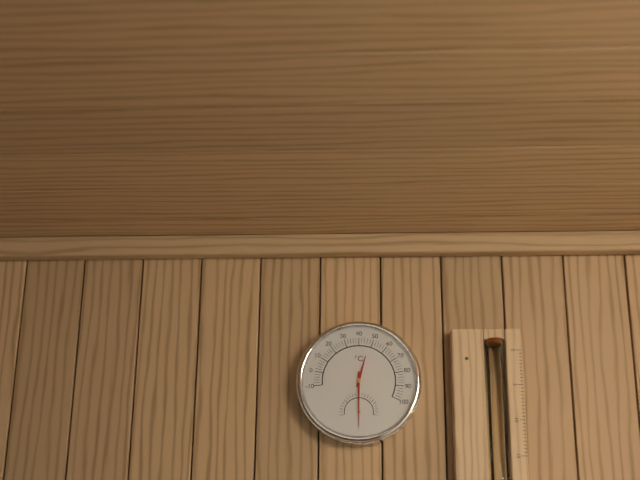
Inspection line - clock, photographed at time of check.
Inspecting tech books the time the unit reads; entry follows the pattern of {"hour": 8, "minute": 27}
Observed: {"hour": 12, "minute": 30}
